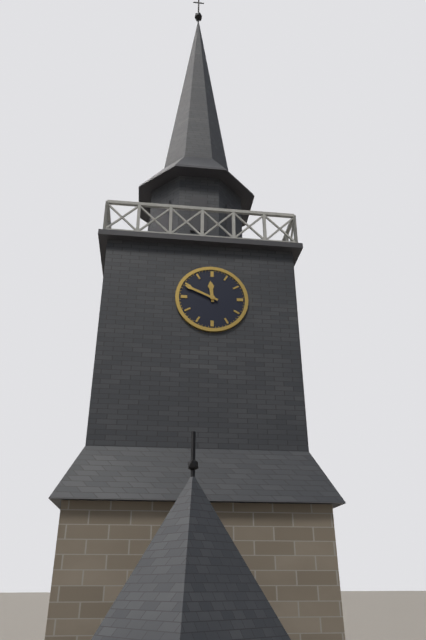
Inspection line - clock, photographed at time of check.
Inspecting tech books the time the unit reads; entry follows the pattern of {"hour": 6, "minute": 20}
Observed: {"hour": 11, "minute": 49}
